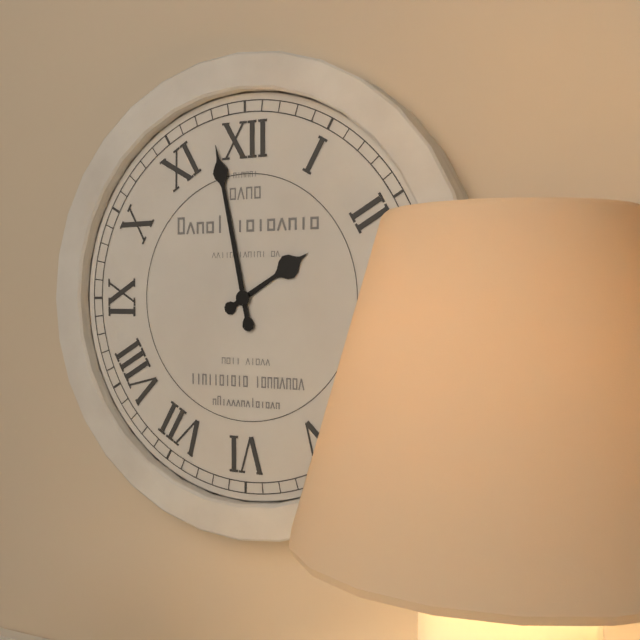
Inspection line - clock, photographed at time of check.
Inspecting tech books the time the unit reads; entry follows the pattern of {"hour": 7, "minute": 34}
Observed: {"hour": 1, "minute": 58}
